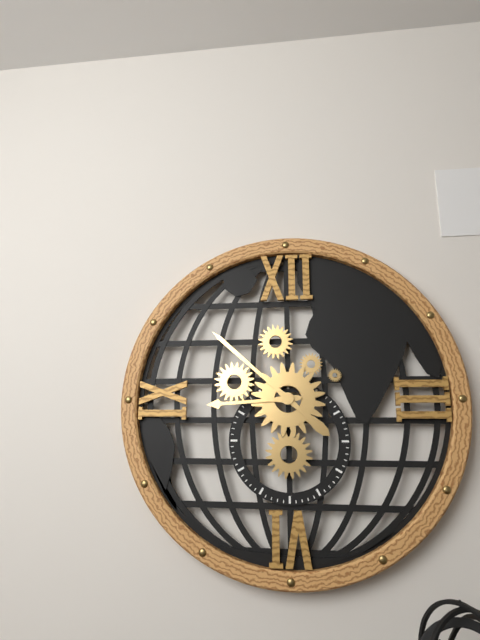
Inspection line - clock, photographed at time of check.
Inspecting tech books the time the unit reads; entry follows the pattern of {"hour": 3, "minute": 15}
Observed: {"hour": 8, "minute": 52}
